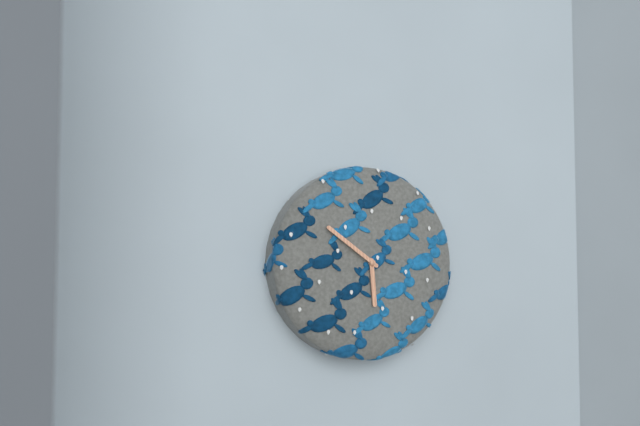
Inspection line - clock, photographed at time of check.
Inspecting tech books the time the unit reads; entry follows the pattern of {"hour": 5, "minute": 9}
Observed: {"hour": 5, "minute": 51}
